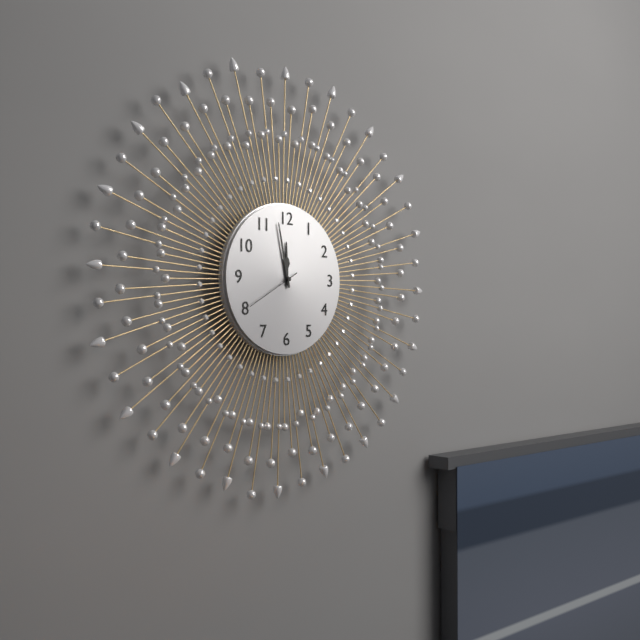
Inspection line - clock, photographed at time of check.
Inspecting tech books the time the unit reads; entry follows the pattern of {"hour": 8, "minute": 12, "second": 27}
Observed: {"hour": 11, "minute": 58, "second": 40}
